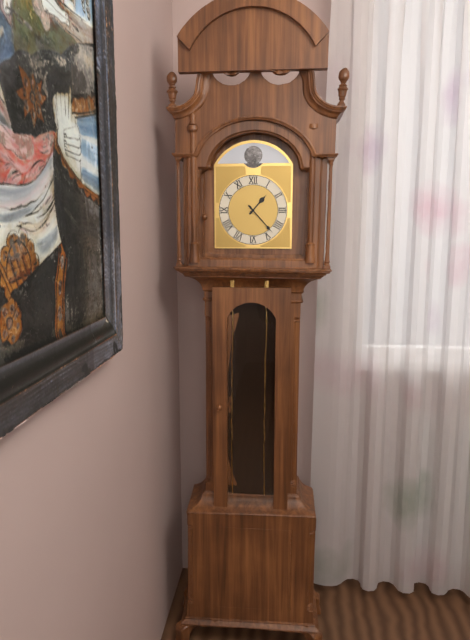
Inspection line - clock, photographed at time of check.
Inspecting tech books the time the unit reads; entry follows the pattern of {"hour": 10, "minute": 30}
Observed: {"hour": 1, "minute": 23}
